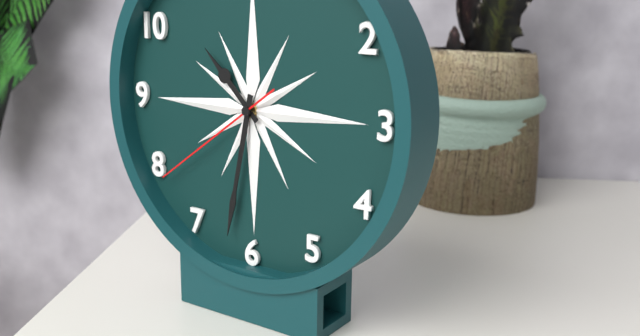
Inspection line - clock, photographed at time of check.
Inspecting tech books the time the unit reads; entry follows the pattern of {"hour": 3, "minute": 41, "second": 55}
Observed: {"hour": 10, "minute": 32, "second": 39}
